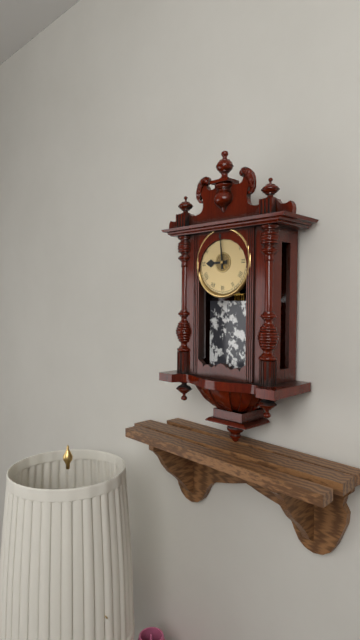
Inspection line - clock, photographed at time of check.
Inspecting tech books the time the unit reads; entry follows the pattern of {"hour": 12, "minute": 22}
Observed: {"hour": 8, "minute": 59}
